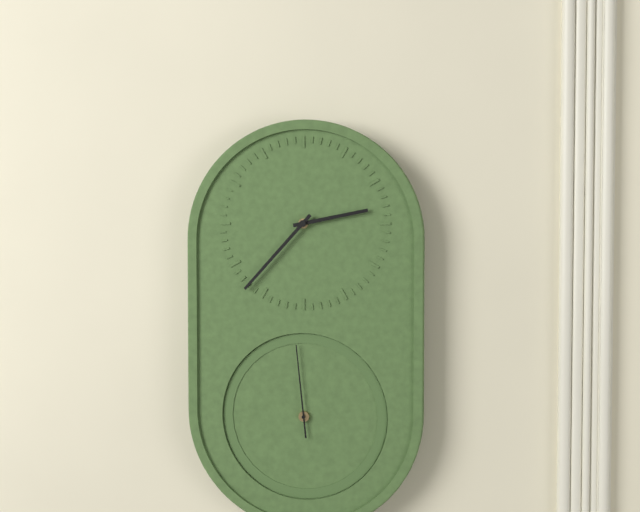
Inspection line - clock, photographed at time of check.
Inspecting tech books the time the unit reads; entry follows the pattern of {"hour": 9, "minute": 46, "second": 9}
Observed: {"hour": 2, "minute": 37, "second": 59}
